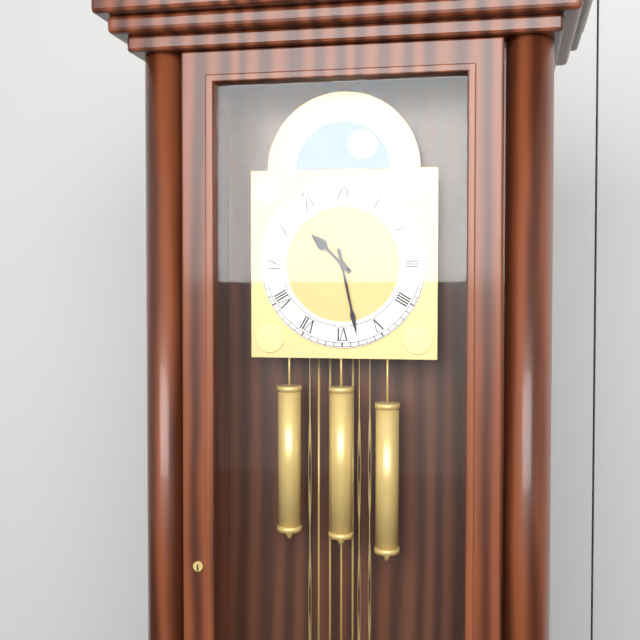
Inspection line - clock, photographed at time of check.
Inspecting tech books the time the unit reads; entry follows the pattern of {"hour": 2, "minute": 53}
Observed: {"hour": 10, "minute": 28}
